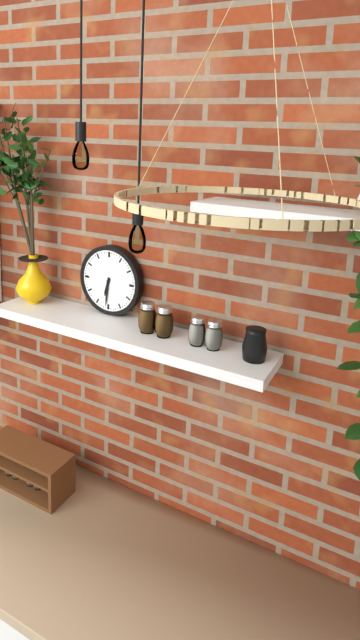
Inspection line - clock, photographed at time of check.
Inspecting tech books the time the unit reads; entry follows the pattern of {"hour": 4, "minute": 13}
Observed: {"hour": 6, "minute": 31}
